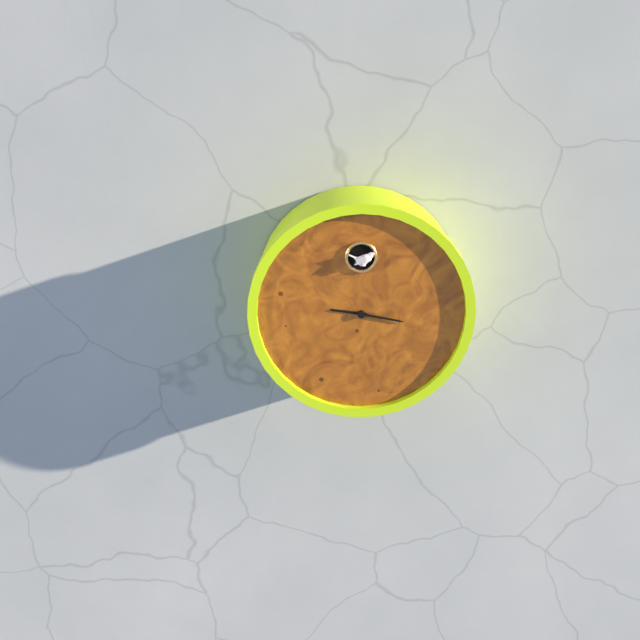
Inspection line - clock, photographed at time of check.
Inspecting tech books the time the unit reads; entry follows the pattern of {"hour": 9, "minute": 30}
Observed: {"hour": 9, "minute": 17}
